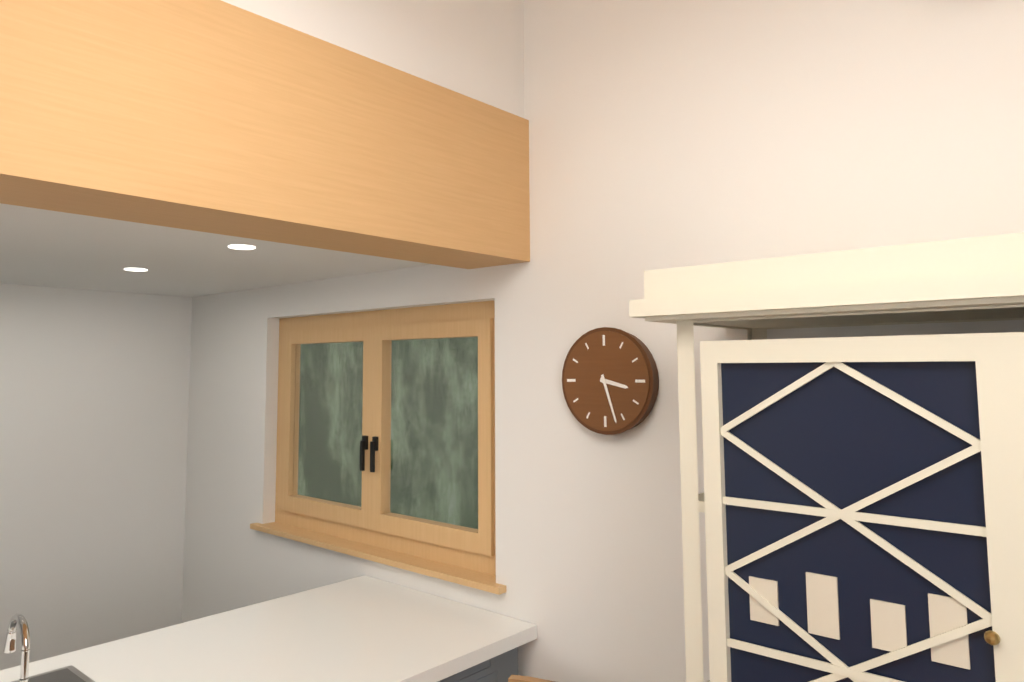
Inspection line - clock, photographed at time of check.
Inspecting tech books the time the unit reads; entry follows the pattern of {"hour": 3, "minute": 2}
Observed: {"hour": 3, "minute": 27}
